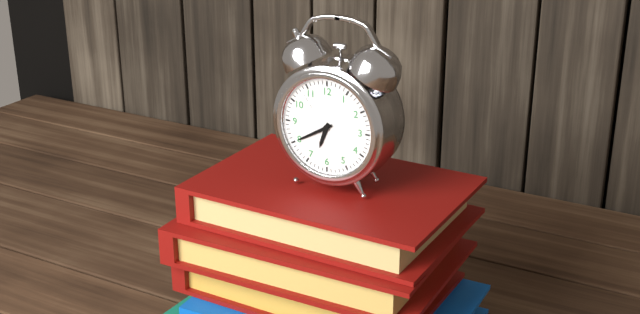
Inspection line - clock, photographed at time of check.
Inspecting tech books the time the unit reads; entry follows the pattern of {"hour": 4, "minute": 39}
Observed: {"hour": 6, "minute": 40}
